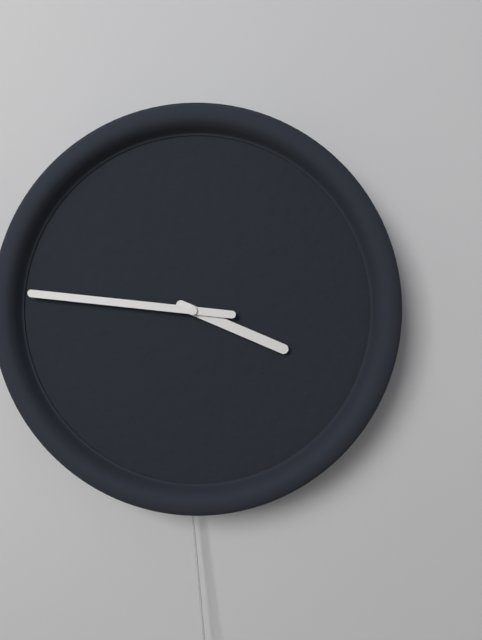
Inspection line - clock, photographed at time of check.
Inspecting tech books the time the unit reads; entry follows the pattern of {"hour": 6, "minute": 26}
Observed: {"hour": 3, "minute": 46}
